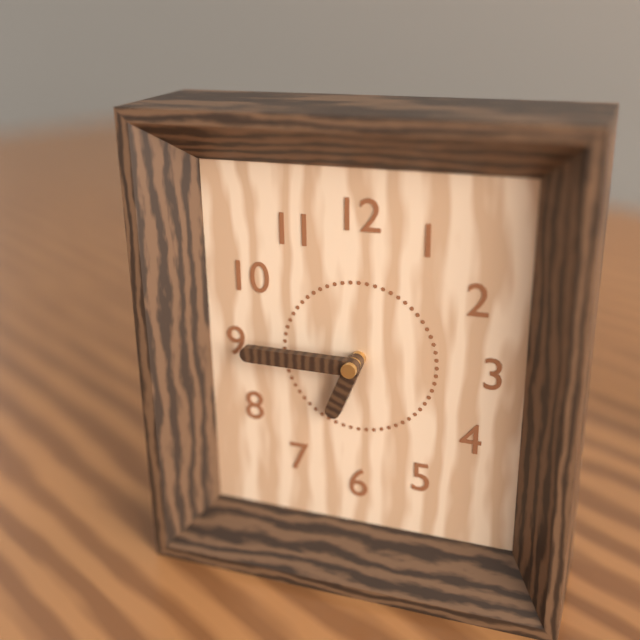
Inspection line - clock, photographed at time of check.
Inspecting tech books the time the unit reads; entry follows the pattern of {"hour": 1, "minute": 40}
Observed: {"hour": 6, "minute": 45}
